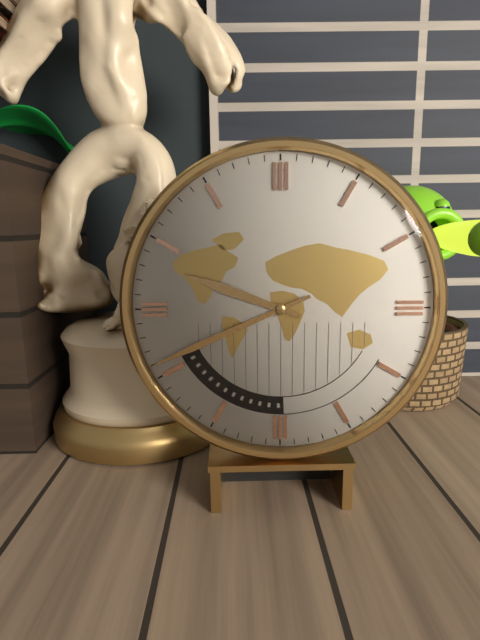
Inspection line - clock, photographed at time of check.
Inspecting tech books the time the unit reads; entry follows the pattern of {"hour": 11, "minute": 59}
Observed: {"hour": 9, "minute": 41}
